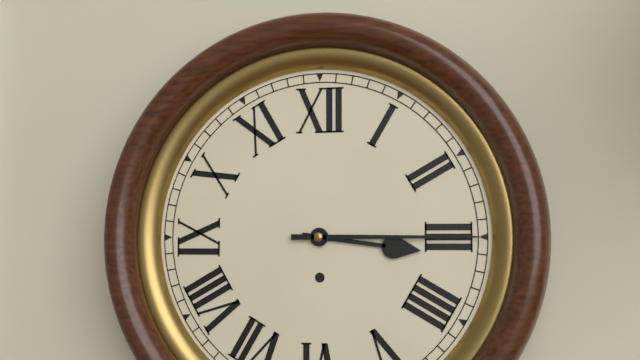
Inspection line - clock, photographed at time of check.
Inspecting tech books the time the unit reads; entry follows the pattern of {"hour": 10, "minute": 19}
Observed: {"hour": 3, "minute": 15}
